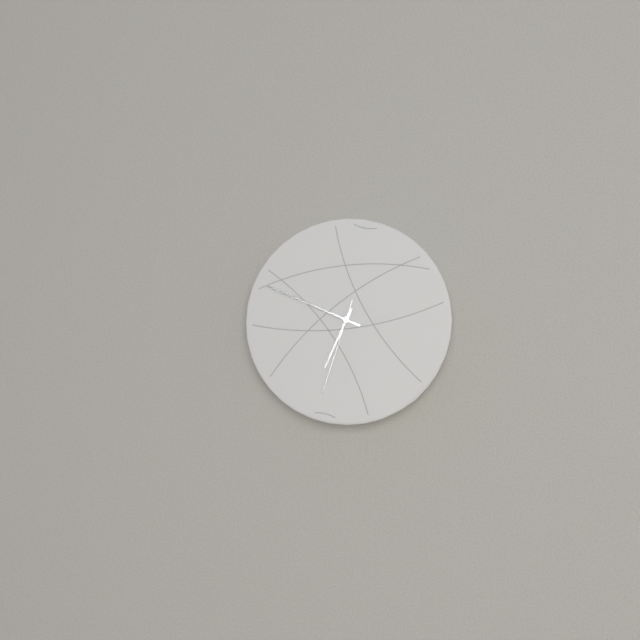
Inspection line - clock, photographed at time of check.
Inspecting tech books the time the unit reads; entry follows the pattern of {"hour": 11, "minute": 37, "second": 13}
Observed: {"hour": 6, "minute": 49, "second": 33}
